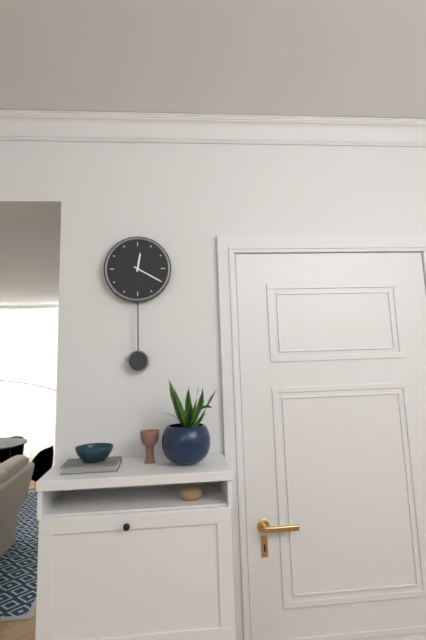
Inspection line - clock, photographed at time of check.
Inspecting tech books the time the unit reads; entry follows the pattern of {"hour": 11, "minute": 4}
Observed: {"hour": 12, "minute": 20}
